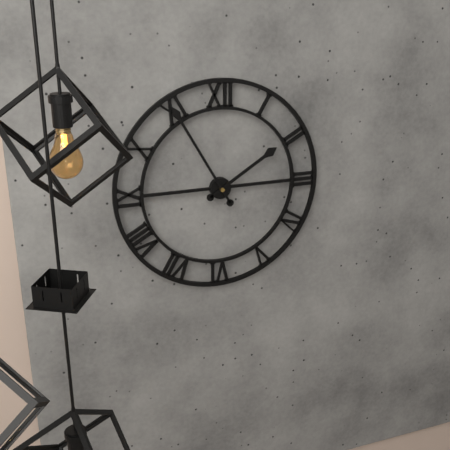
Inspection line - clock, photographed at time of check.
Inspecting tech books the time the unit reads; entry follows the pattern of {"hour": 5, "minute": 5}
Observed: {"hour": 1, "minute": 55}
